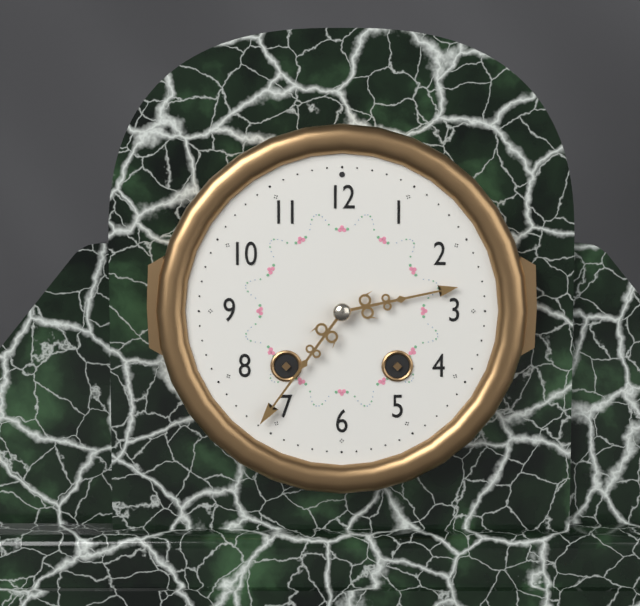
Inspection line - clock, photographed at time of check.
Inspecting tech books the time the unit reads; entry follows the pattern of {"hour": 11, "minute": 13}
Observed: {"hour": 2, "minute": 36}
